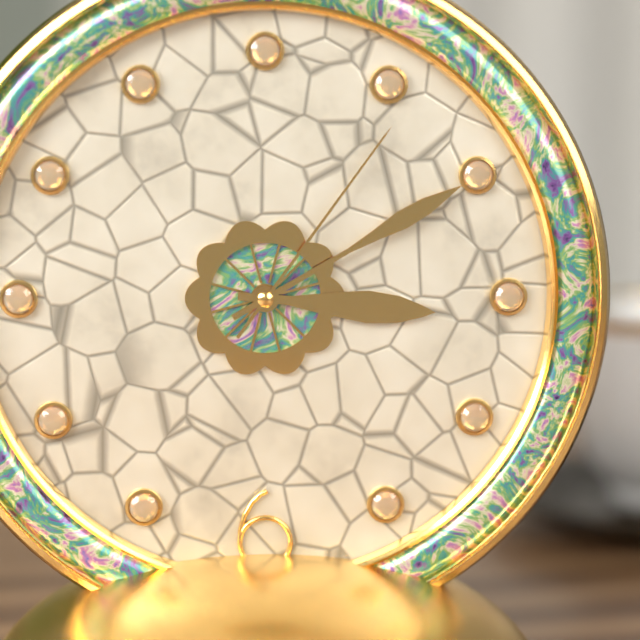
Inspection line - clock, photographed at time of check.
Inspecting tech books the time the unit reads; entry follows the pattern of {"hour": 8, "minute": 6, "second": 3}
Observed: {"hour": 3, "minute": 10, "second": 6}
